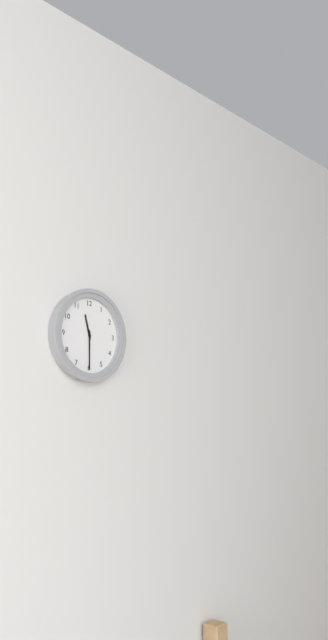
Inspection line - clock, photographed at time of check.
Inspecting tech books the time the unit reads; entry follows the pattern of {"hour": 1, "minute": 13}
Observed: {"hour": 11, "minute": 30}
